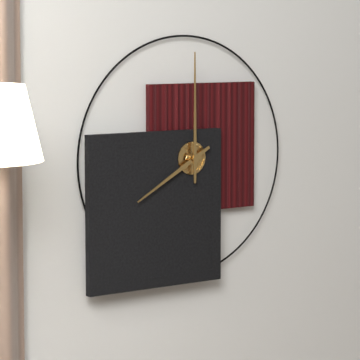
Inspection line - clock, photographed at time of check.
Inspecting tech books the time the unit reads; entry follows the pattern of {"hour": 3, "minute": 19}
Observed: {"hour": 8, "minute": 0}
